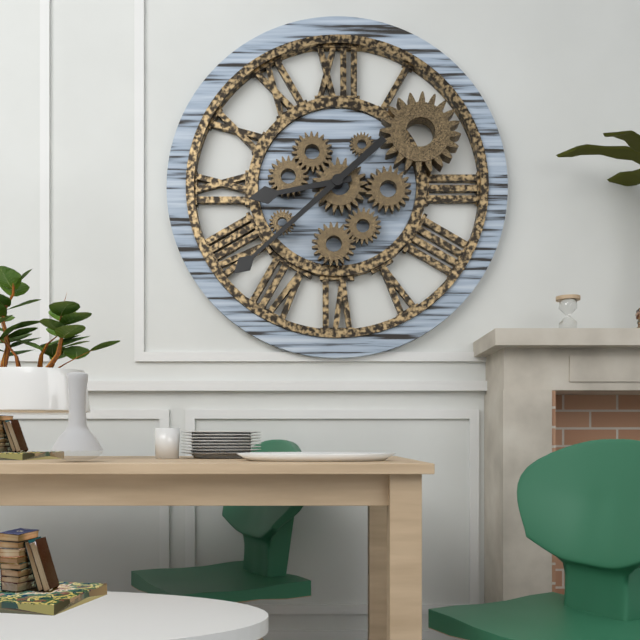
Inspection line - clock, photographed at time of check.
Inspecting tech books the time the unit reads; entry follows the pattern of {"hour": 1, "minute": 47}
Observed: {"hour": 8, "minute": 38}
